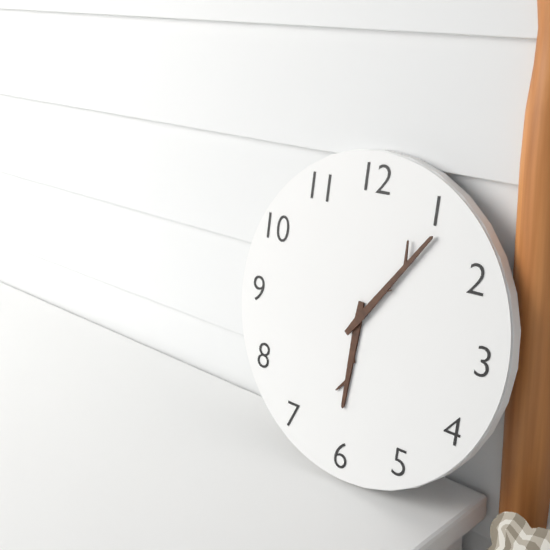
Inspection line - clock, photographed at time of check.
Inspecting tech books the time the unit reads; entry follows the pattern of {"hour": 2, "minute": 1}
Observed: {"hour": 6, "minute": 6}
